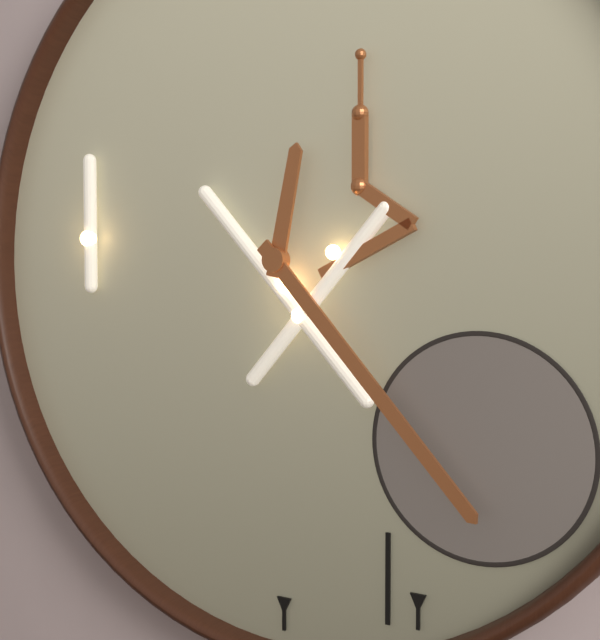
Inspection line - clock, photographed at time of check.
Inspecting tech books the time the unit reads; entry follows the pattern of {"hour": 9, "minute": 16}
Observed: {"hour": 12, "minute": 23}
